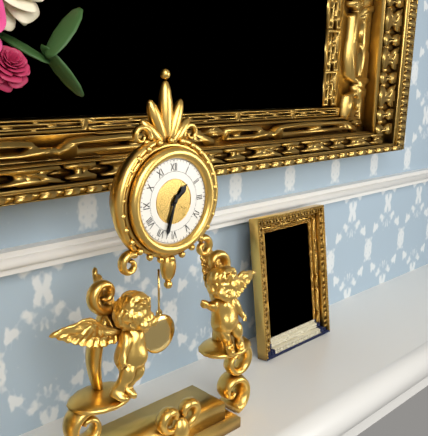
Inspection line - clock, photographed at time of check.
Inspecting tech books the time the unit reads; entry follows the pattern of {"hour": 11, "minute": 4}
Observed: {"hour": 1, "minute": 33}
